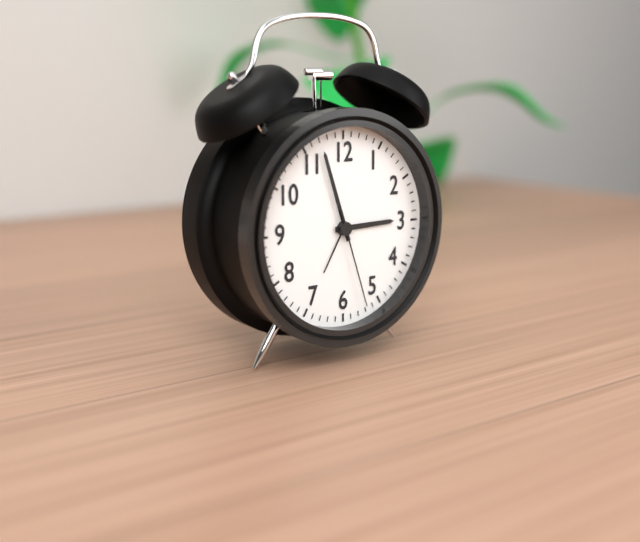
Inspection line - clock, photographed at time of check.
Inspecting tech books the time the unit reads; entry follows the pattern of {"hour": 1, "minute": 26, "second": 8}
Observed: {"hour": 2, "minute": 57, "second": 27}
